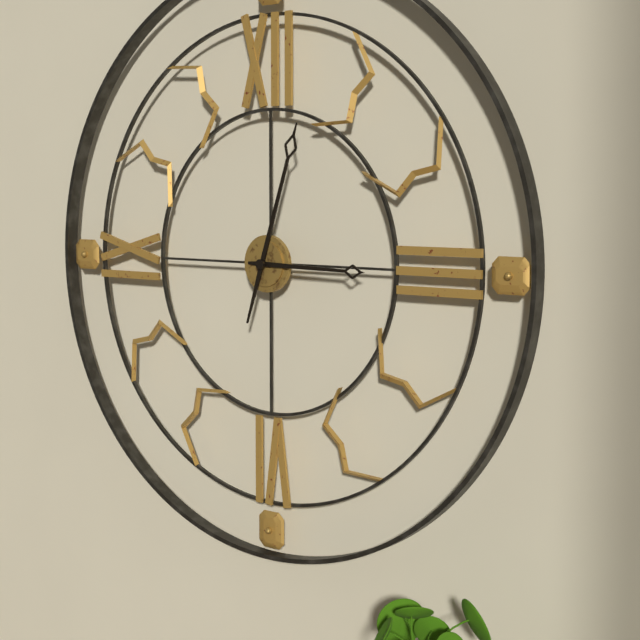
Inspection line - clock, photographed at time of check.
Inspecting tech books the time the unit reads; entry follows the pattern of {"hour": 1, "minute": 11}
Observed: {"hour": 3, "minute": 3}
